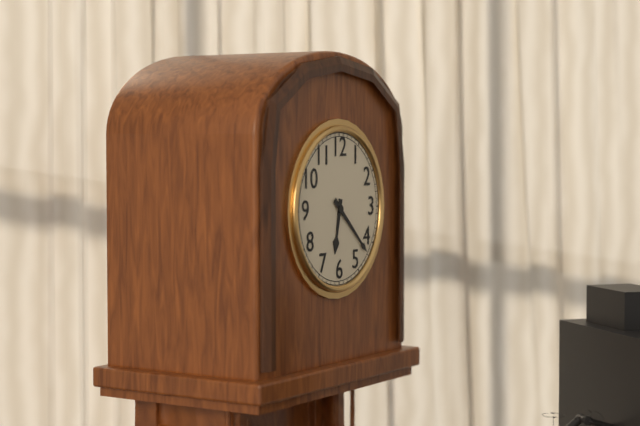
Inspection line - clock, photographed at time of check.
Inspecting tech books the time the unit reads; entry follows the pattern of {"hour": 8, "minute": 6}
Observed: {"hour": 6, "minute": 22}
